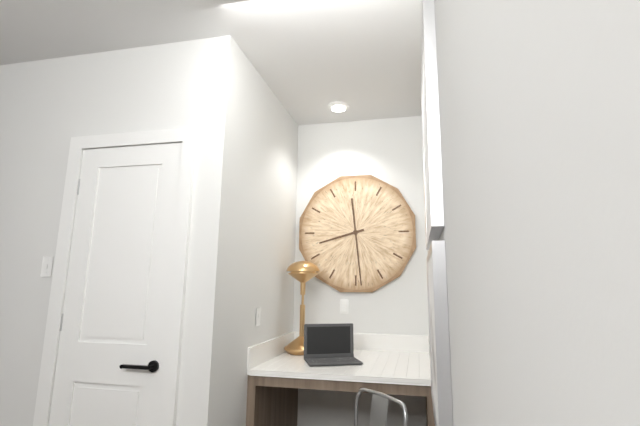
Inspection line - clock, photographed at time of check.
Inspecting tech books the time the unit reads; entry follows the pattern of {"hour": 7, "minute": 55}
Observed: {"hour": 8, "minute": 29}
